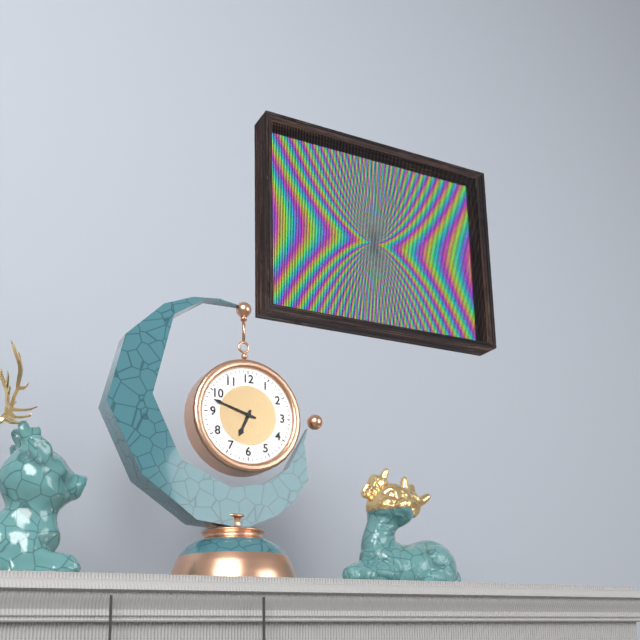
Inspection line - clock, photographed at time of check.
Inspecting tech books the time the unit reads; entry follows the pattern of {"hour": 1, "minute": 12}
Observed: {"hour": 6, "minute": 48}
